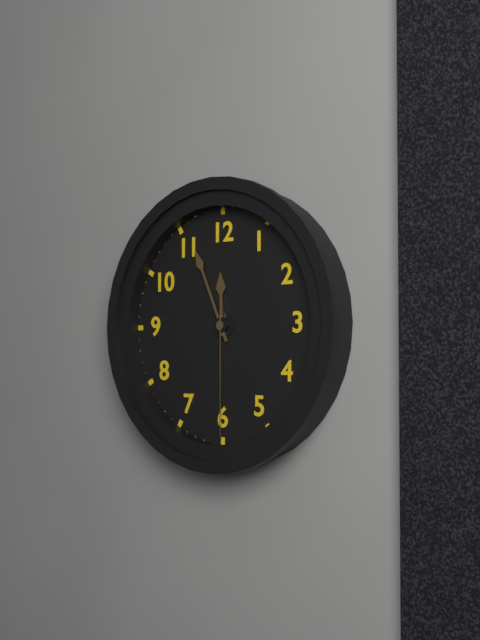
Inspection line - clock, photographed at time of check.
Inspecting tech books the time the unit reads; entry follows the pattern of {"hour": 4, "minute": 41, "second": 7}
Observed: {"hour": 11, "minute": 56, "second": 30}
